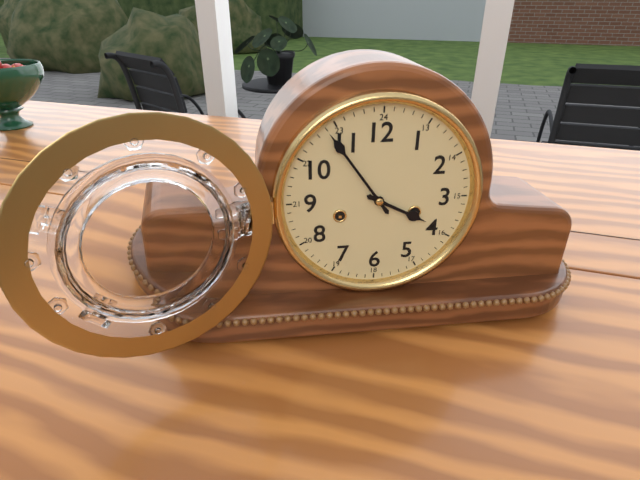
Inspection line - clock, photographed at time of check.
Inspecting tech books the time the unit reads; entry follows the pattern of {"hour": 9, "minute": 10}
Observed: {"hour": 3, "minute": 54}
